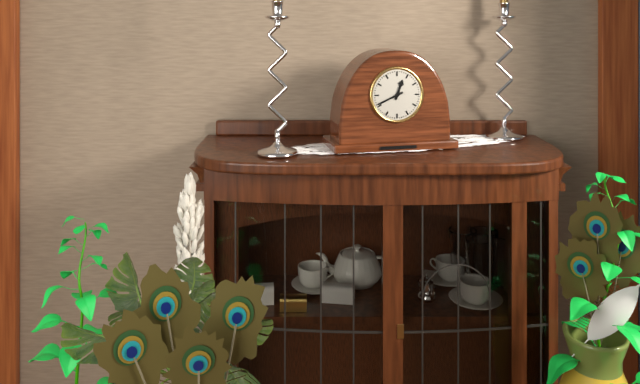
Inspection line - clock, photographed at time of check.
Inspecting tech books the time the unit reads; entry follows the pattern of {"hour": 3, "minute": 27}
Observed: {"hour": 12, "minute": 41}
